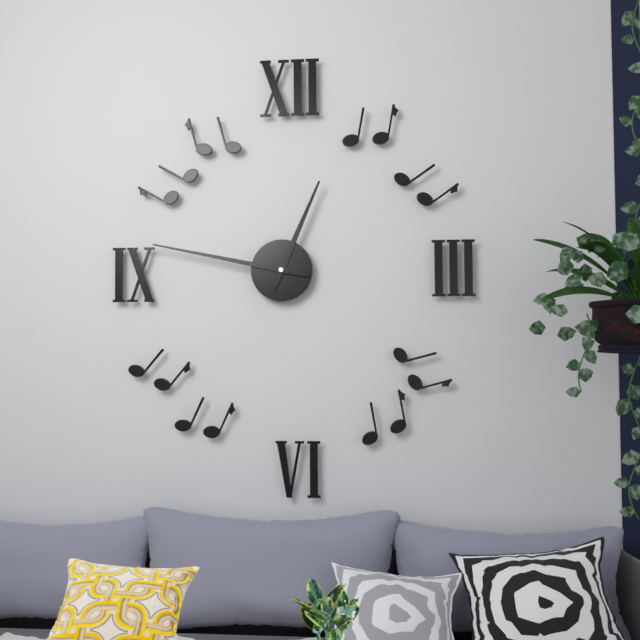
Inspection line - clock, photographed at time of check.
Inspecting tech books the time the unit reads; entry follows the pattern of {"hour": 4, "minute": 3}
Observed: {"hour": 12, "minute": 47}
